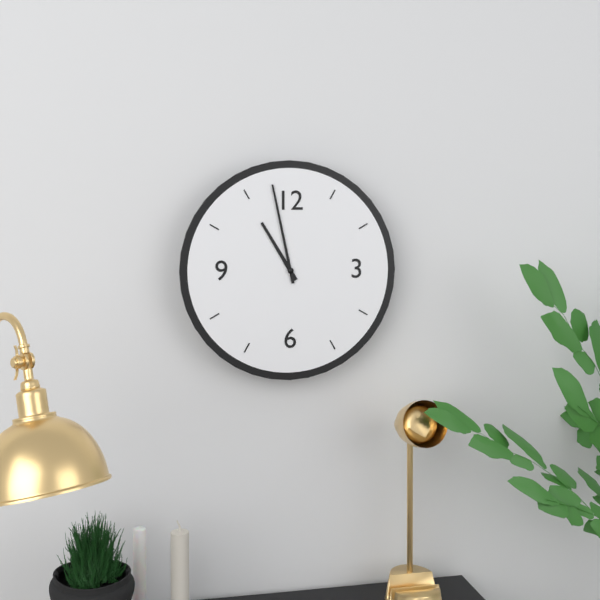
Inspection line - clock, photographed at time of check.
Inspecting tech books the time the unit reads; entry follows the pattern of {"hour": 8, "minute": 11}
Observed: {"hour": 10, "minute": 58}
